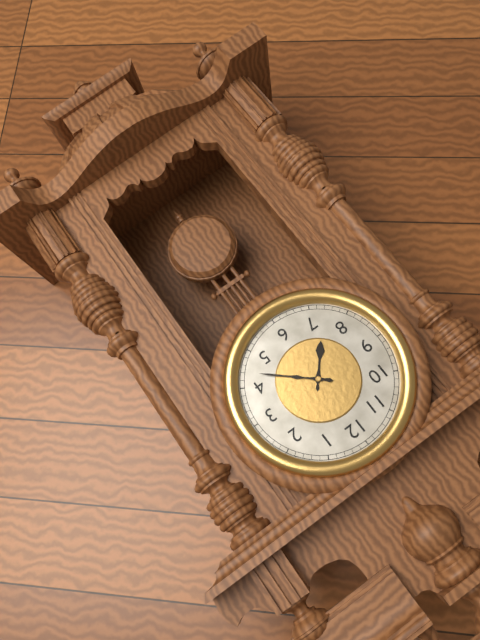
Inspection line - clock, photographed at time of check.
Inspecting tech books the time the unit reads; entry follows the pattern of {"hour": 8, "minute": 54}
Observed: {"hour": 7, "minute": 22}
